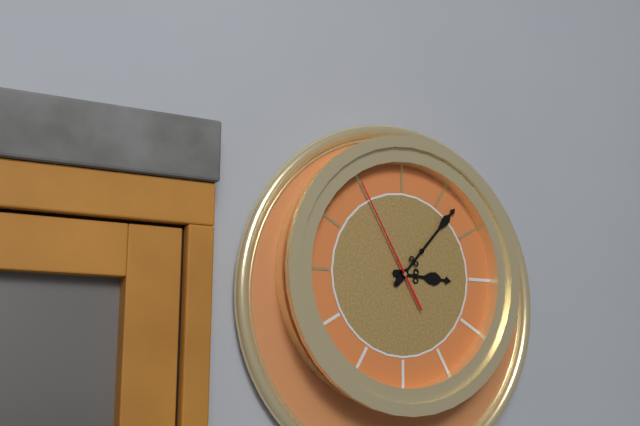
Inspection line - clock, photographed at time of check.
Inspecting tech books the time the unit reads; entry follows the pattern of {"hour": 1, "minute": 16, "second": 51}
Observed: {"hour": 3, "minute": 7, "second": 55}
